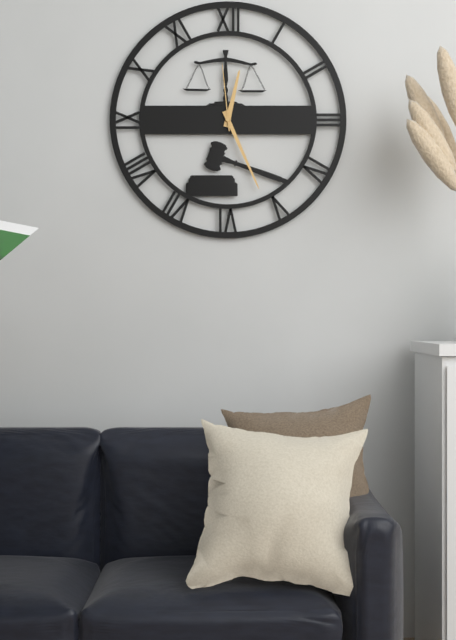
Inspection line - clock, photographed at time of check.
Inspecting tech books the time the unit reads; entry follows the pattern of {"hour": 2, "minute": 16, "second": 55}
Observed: {"hour": 12, "minute": 26, "second": 59}
